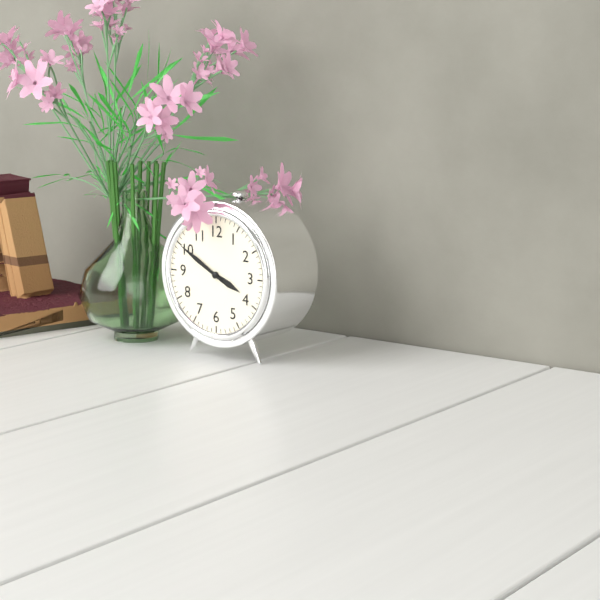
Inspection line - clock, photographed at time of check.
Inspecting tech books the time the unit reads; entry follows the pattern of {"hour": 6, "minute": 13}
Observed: {"hour": 3, "minute": 50}
